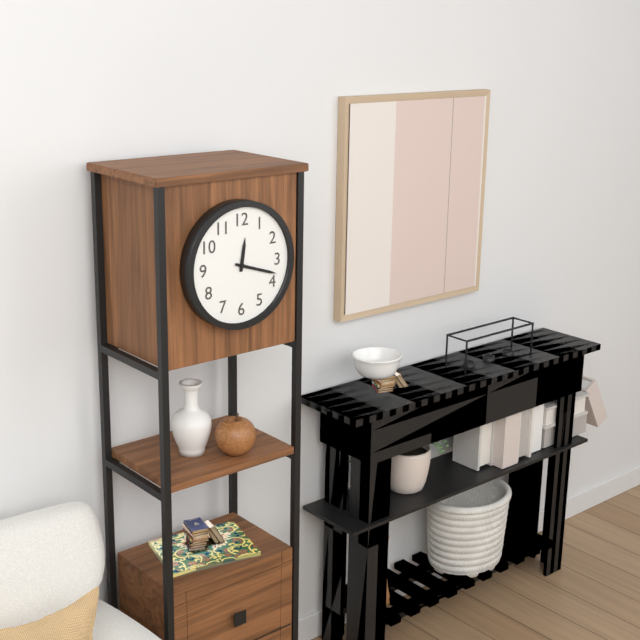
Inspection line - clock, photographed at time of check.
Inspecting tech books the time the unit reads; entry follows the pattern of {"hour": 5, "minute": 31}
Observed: {"hour": 12, "minute": 18}
